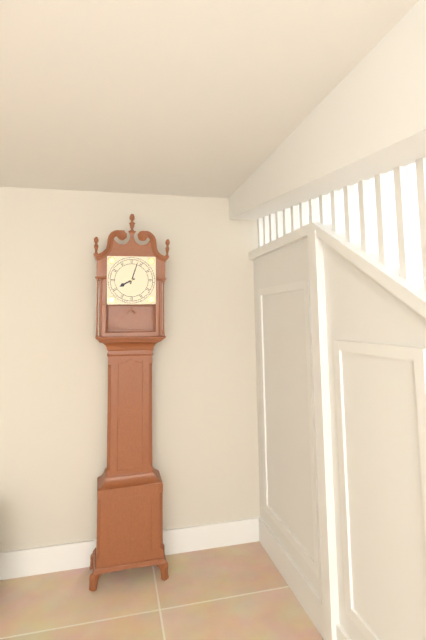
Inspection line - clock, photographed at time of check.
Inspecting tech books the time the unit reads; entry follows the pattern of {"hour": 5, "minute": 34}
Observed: {"hour": 8, "minute": 3}
